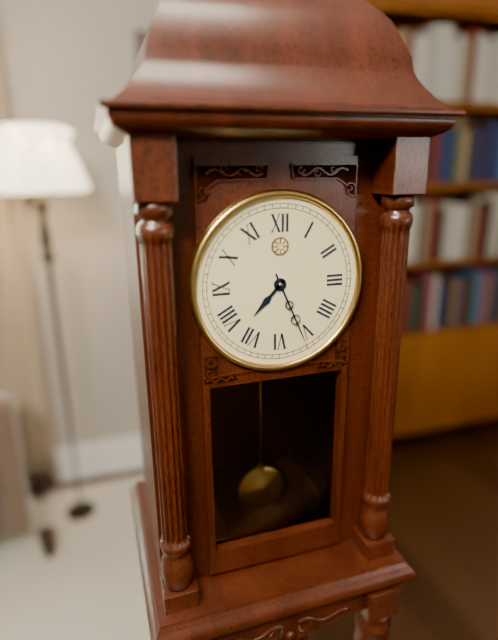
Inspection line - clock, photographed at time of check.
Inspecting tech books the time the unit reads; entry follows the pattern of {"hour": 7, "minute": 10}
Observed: {"hour": 7, "minute": 26}
